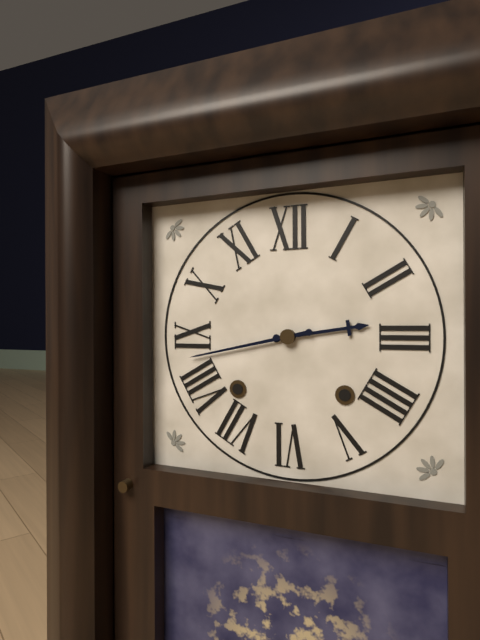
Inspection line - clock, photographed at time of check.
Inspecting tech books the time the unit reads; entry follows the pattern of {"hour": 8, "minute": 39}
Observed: {"hour": 2, "minute": 43}
